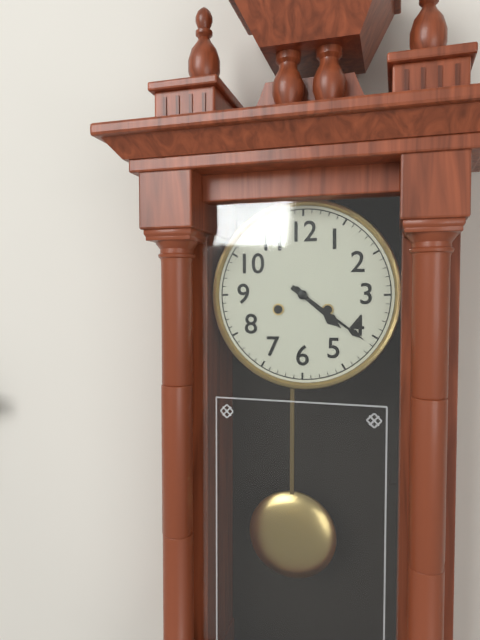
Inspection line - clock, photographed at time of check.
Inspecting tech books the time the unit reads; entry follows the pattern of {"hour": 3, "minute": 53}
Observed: {"hour": 4, "minute": 21}
